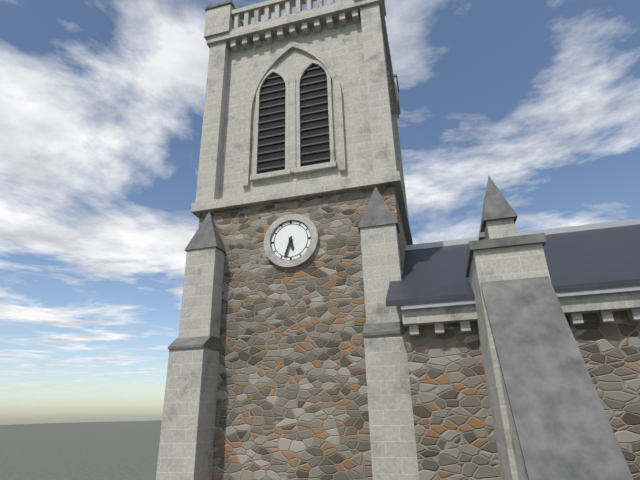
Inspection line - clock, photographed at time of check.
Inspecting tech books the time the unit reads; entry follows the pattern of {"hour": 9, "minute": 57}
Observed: {"hour": 5, "minute": 33}
